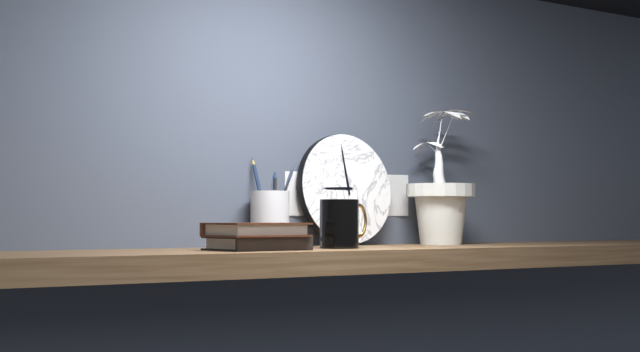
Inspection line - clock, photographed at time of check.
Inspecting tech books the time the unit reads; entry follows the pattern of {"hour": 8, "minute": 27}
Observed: {"hour": 8, "minute": 59}
